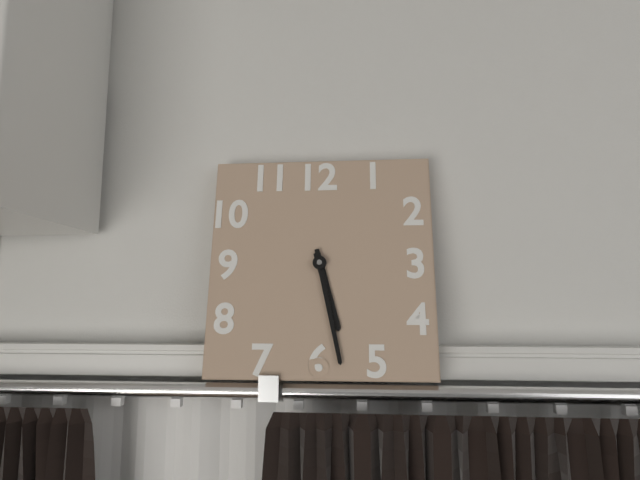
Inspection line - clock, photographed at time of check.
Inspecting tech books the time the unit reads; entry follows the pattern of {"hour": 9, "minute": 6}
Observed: {"hour": 5, "minute": 28}
